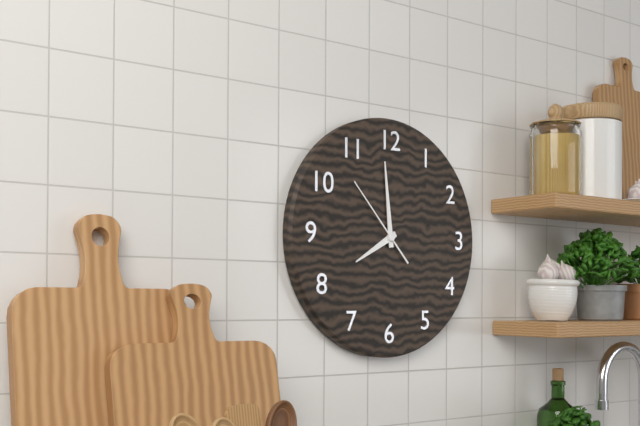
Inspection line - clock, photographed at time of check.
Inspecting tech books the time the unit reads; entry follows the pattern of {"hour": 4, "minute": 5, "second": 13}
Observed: {"hour": 7, "minute": 59, "second": 53}
